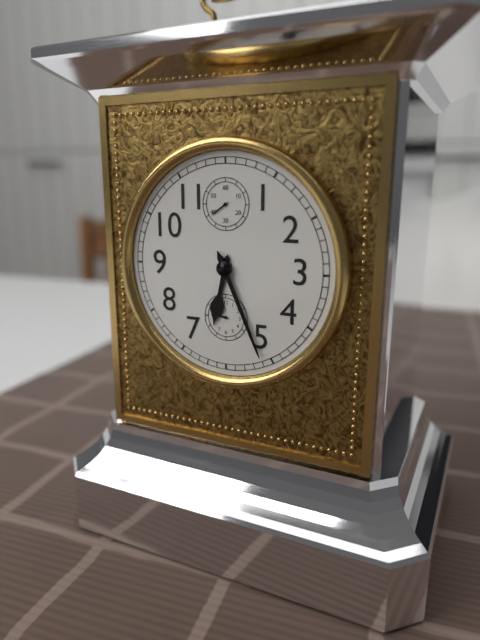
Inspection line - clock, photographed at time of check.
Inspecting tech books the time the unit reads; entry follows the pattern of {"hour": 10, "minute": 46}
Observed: {"hour": 6, "minute": 26}
